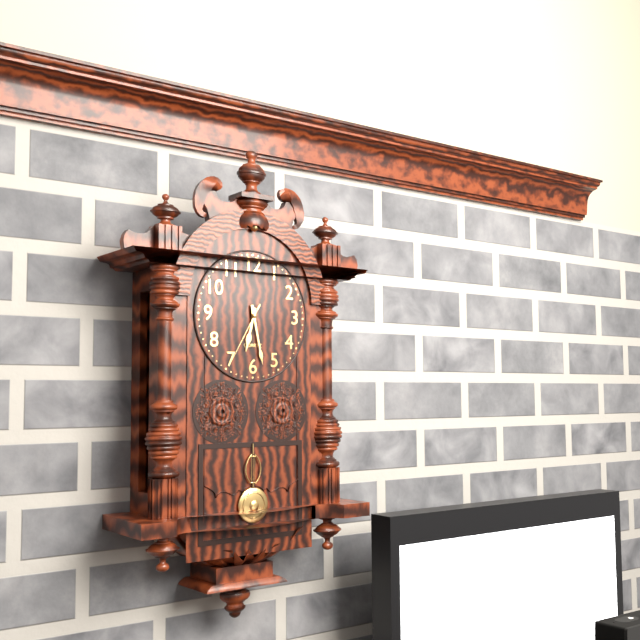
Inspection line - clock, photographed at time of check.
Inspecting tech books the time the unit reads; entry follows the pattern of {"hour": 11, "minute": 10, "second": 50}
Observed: {"hour": 6, "minute": 28, "second": 35}
